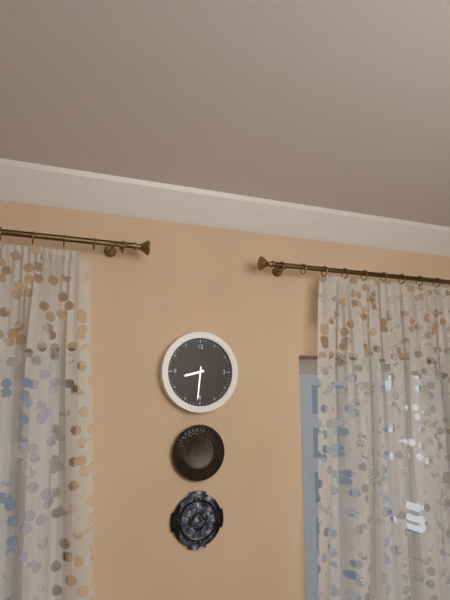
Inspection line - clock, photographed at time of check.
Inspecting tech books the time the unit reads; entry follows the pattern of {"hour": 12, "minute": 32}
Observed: {"hour": 8, "minute": 31}
